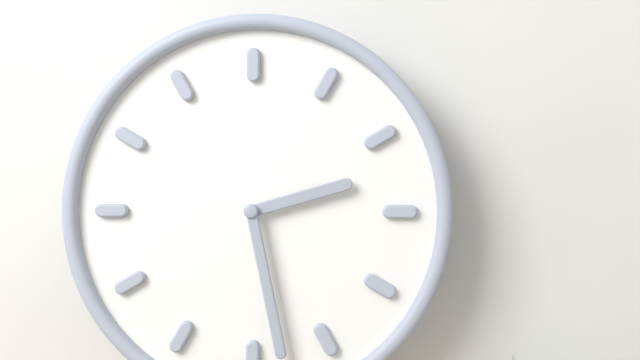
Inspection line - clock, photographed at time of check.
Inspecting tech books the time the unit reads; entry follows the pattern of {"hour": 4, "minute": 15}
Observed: {"hour": 2, "minute": 28}
